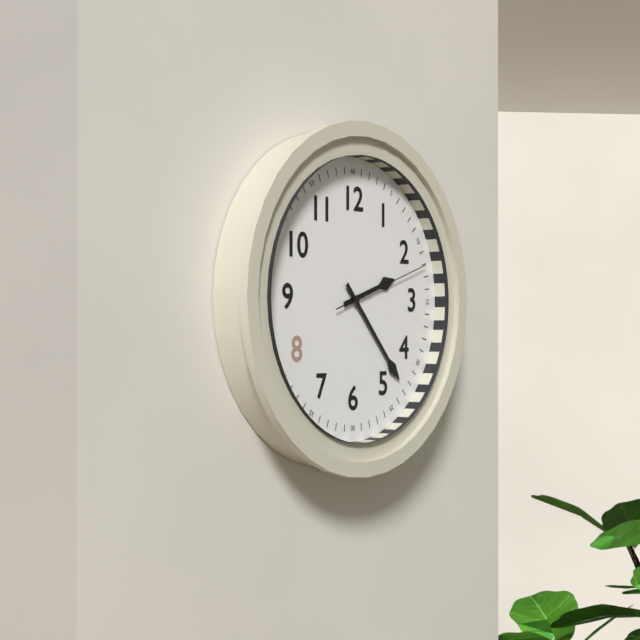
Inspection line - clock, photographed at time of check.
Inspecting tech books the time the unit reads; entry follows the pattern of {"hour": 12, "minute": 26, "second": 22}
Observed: {"hour": 2, "minute": 23, "second": 12}
